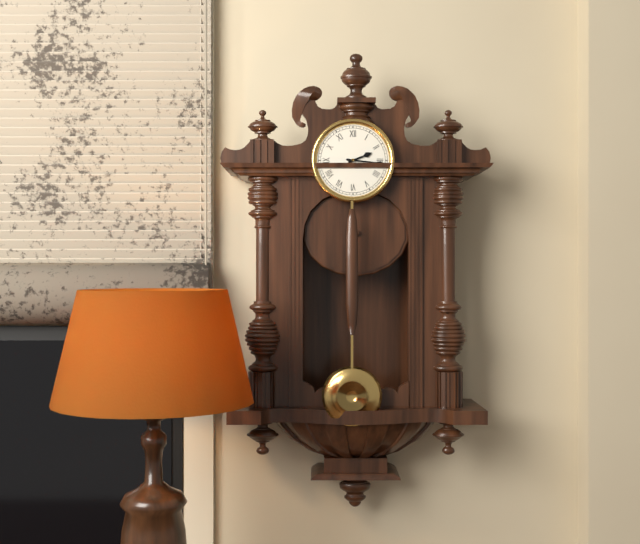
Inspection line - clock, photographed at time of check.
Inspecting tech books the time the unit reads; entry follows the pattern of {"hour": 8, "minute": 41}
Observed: {"hour": 2, "minute": 16}
